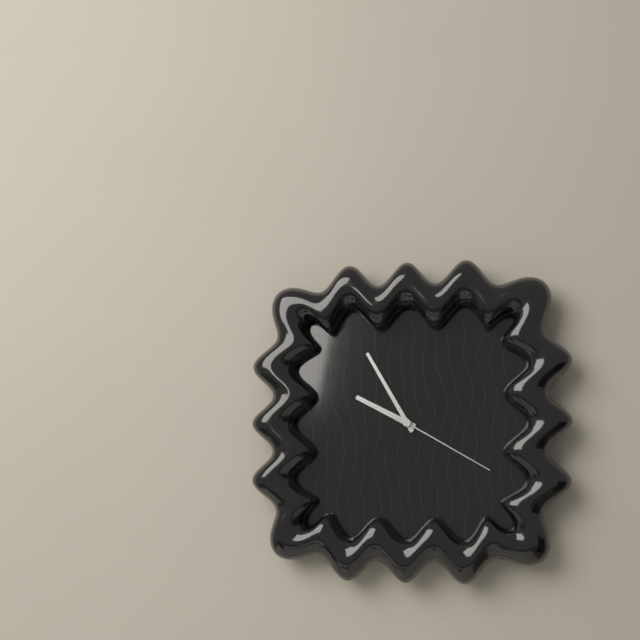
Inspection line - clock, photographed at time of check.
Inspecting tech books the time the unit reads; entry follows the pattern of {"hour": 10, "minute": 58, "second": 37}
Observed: {"hour": 9, "minute": 55, "second": 20}
